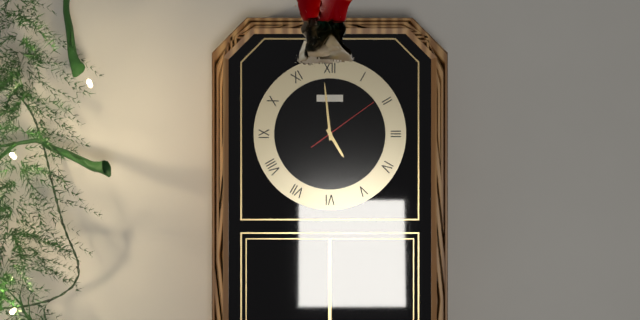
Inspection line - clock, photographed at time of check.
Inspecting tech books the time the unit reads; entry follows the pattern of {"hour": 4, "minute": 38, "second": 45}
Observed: {"hour": 4, "minute": 59, "second": 9}
